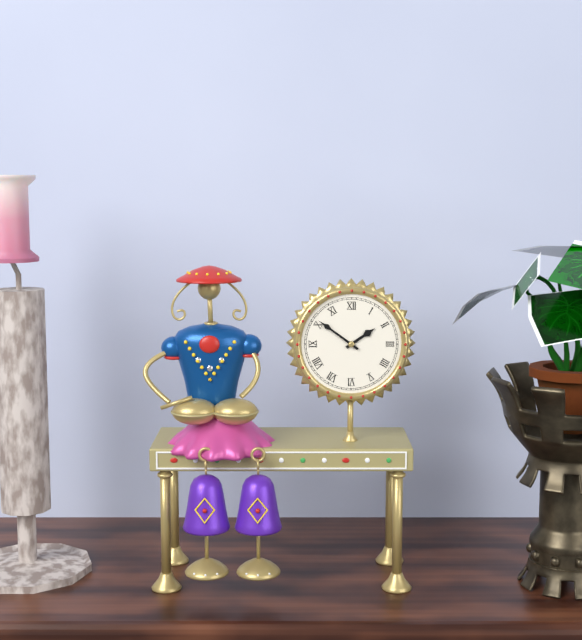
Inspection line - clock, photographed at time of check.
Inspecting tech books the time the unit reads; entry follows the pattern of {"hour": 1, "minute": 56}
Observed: {"hour": 1, "minute": 51}
